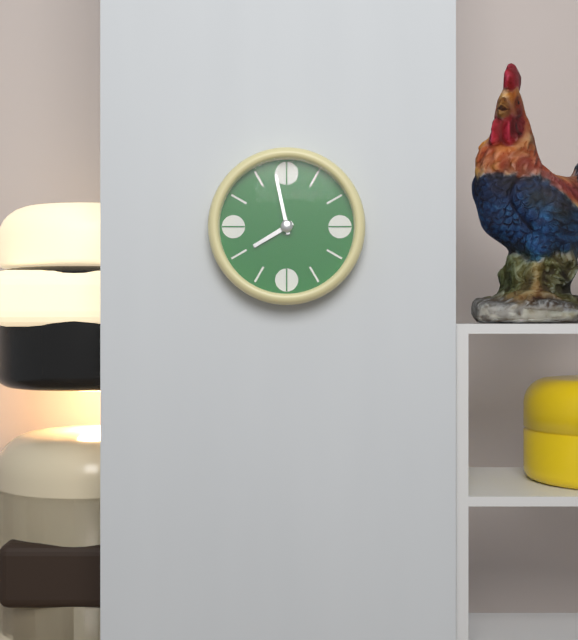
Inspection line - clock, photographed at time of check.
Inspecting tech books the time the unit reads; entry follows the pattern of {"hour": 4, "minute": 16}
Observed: {"hour": 7, "minute": 58}
